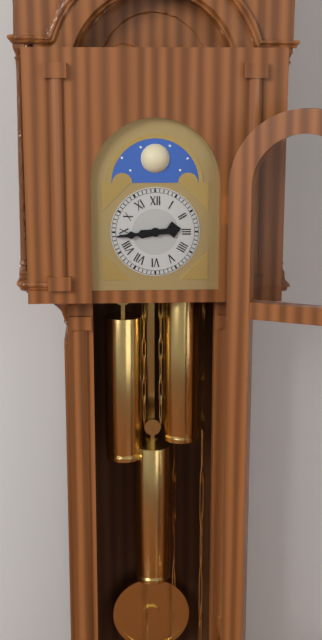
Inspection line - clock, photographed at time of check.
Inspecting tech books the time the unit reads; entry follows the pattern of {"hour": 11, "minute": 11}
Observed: {"hour": 2, "minute": 44}
